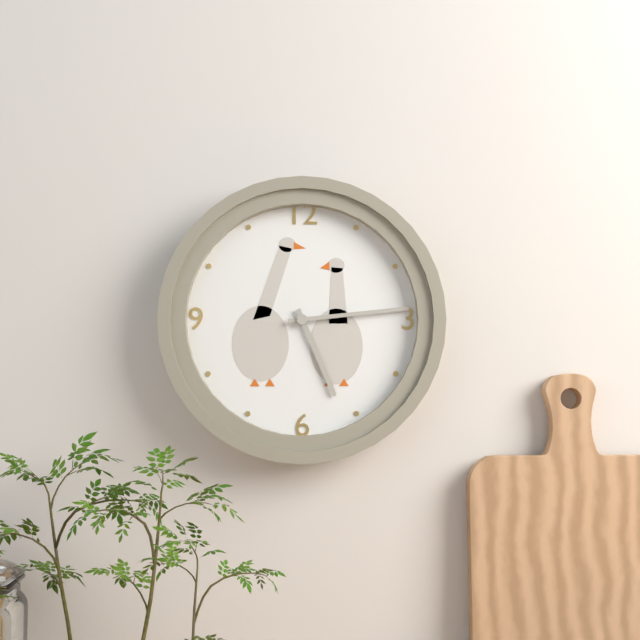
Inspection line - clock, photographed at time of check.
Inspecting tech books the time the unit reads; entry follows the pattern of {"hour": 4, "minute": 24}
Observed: {"hour": 5, "minute": 14}
